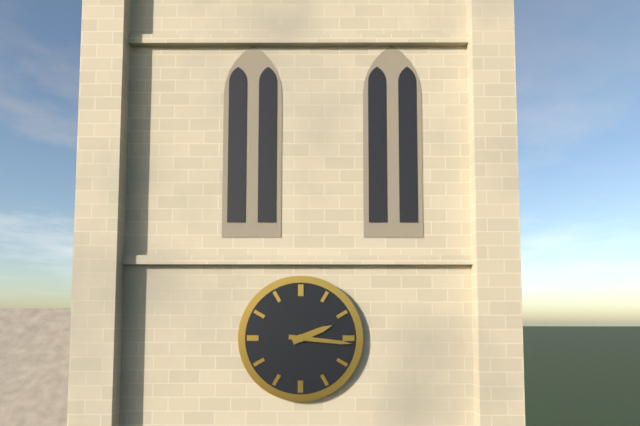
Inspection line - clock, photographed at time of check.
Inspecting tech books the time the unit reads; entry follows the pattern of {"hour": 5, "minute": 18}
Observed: {"hour": 2, "minute": 16}
